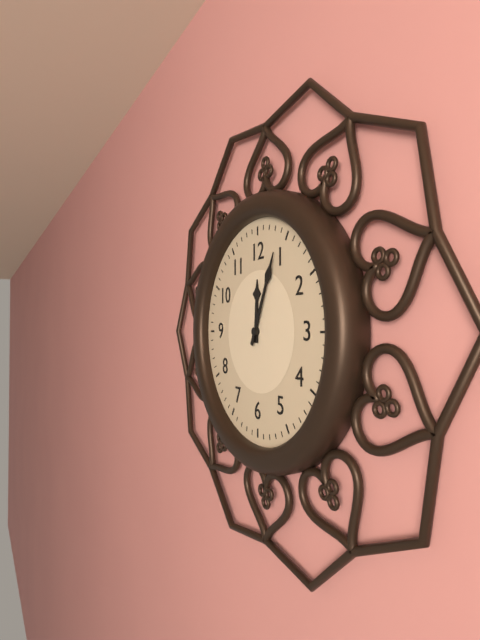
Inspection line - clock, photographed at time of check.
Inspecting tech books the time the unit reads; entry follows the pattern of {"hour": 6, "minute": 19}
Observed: {"hour": 12, "minute": 4}
